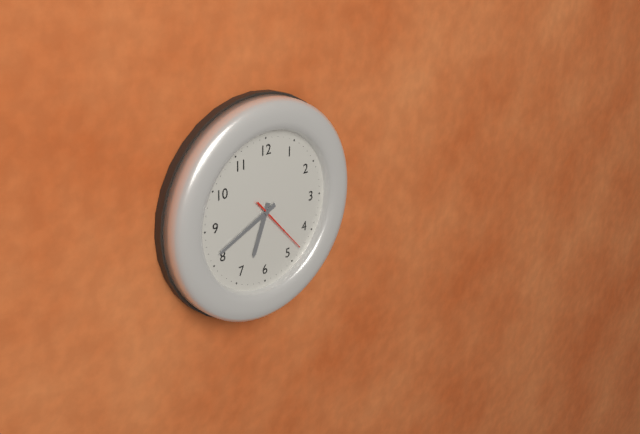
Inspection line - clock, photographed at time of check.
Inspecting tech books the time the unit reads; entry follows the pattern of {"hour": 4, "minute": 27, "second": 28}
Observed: {"hour": 6, "minute": 41, "second": 23}
